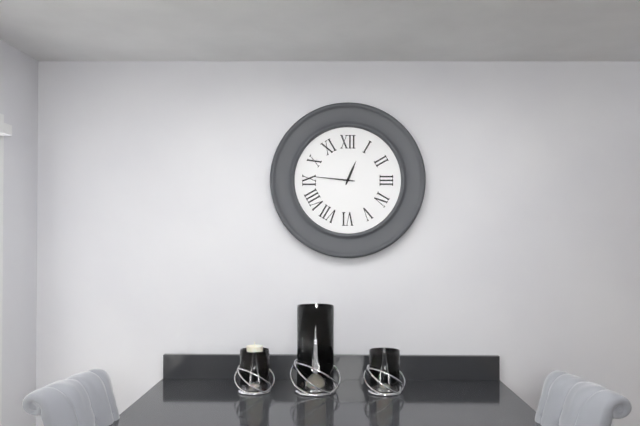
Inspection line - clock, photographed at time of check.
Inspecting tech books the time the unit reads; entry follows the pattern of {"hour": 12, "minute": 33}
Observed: {"hour": 12, "minute": 46}
